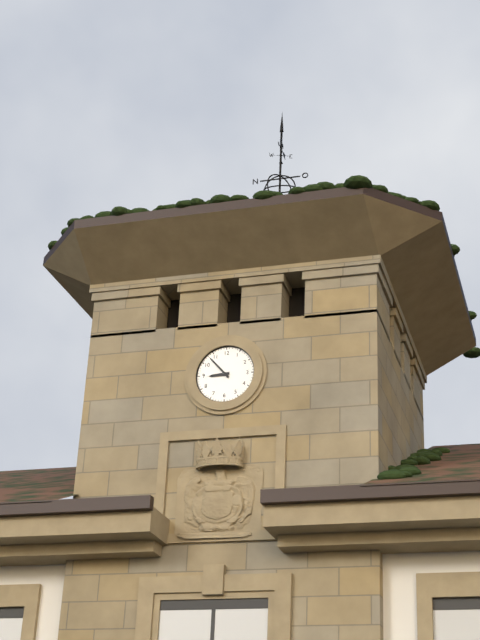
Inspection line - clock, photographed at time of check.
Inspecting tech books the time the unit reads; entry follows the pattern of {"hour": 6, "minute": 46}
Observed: {"hour": 8, "minute": 53}
